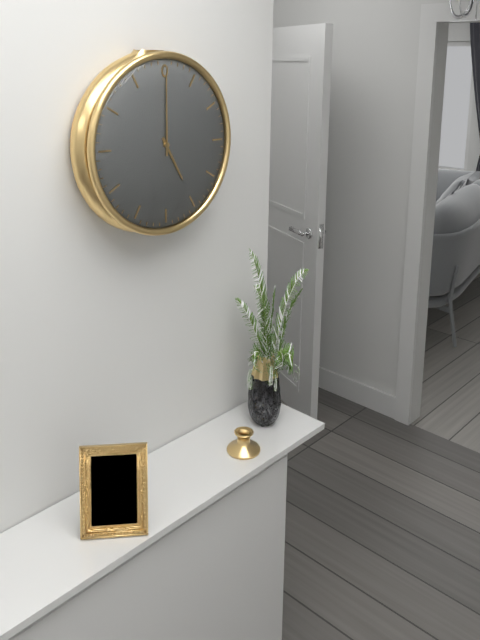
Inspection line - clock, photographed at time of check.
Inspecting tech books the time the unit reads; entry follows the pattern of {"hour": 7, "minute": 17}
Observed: {"hour": 5, "minute": 0}
